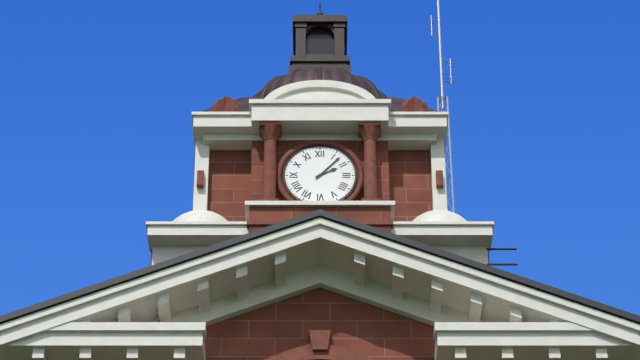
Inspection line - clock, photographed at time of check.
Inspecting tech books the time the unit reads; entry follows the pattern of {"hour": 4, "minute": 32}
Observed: {"hour": 2, "minute": 7}
